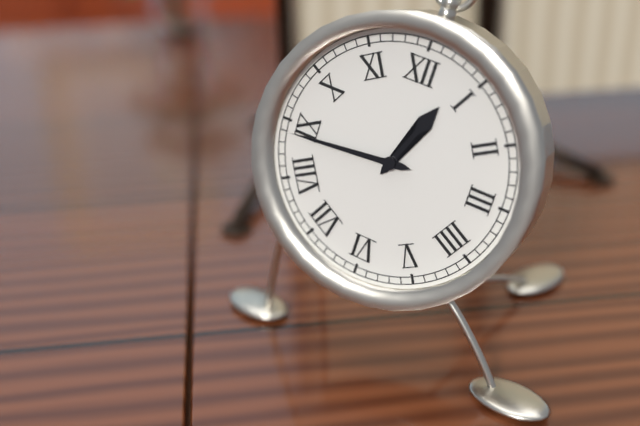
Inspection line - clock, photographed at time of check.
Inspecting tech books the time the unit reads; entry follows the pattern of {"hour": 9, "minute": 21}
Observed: {"hour": 12, "minute": 44}
